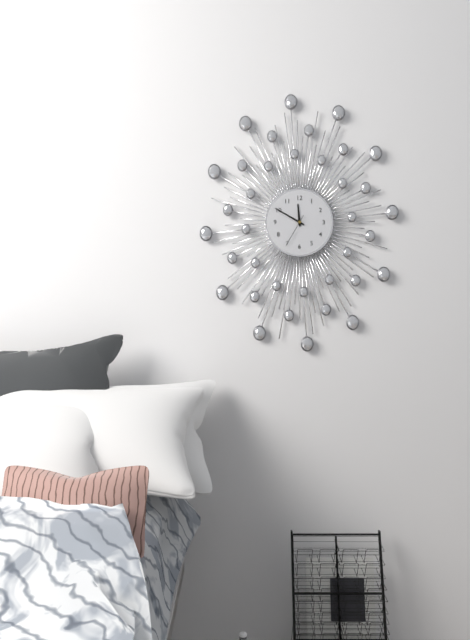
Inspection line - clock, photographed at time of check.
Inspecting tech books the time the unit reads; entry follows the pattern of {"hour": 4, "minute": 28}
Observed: {"hour": 11, "minute": 50}
